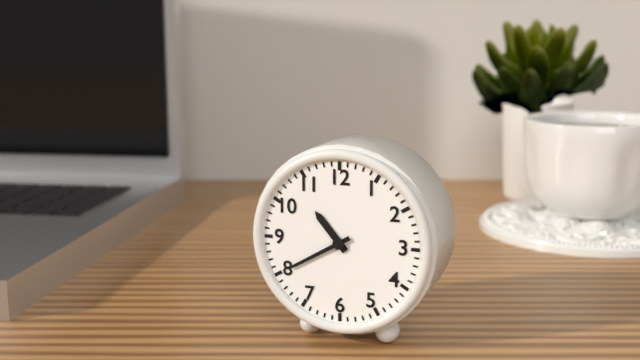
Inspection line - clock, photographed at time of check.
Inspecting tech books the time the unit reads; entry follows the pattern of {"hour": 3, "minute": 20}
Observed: {"hour": 10, "minute": 40}
